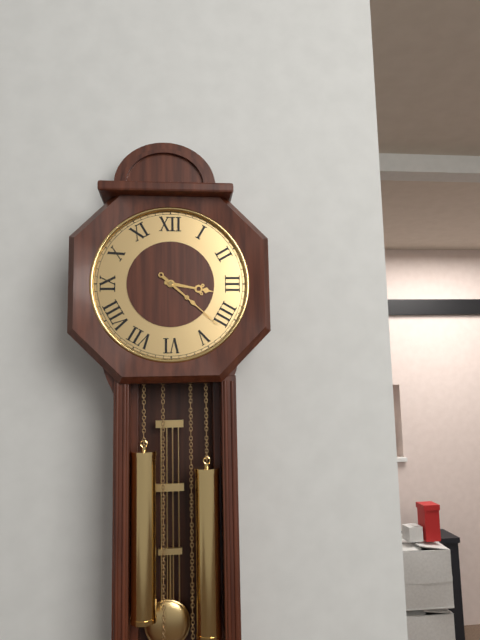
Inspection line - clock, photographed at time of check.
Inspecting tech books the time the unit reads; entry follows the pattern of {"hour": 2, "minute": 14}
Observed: {"hour": 3, "minute": 22}
